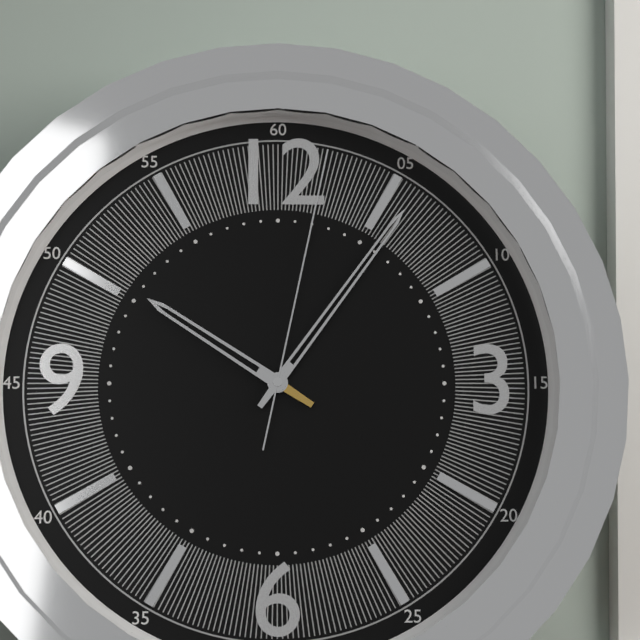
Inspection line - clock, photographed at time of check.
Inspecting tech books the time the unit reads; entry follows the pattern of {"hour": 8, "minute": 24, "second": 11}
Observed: {"hour": 10, "minute": 6, "second": 2}
